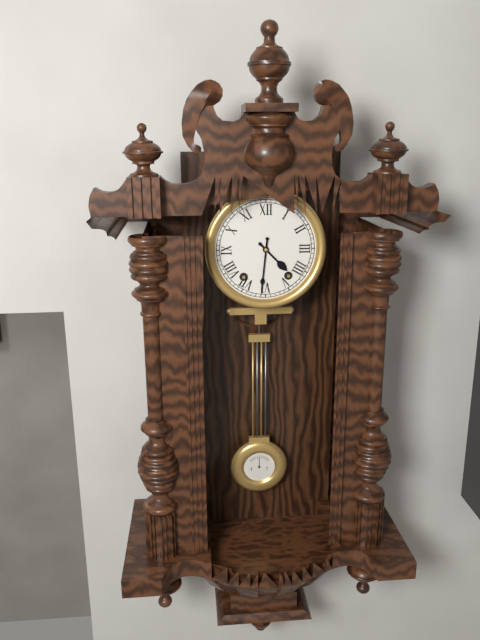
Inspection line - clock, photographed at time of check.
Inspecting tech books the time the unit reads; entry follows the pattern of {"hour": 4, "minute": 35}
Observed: {"hour": 4, "minute": 31}
